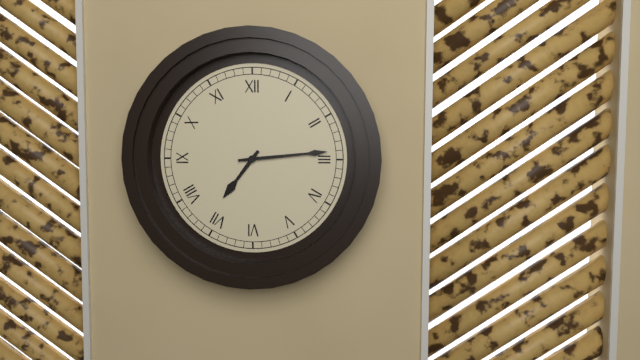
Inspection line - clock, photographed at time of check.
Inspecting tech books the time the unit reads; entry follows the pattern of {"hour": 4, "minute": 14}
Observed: {"hour": 7, "minute": 14}
